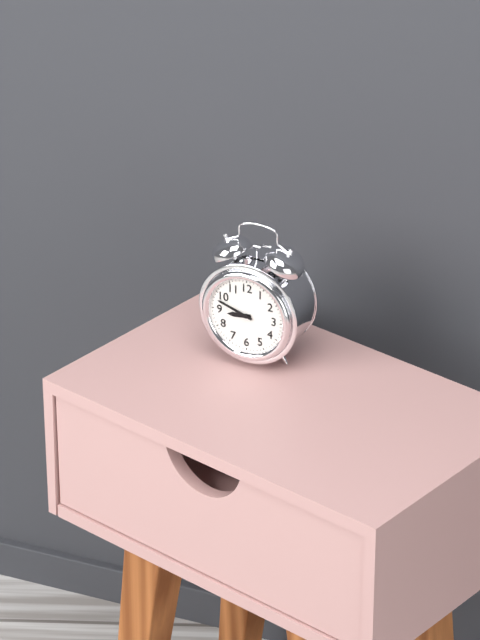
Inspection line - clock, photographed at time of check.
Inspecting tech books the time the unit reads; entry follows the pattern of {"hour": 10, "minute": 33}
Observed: {"hour": 8, "minute": 48}
